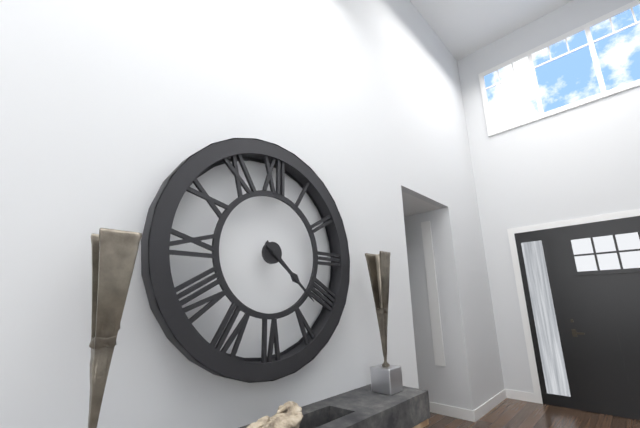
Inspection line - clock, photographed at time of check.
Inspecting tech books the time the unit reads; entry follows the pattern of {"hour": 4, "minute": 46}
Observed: {"hour": 4, "minute": 22}
